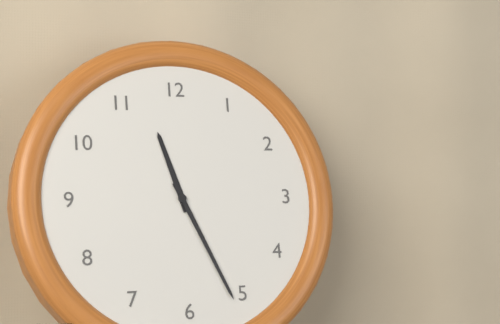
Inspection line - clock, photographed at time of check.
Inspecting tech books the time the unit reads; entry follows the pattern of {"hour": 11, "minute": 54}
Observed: {"hour": 11, "minute": 26}
